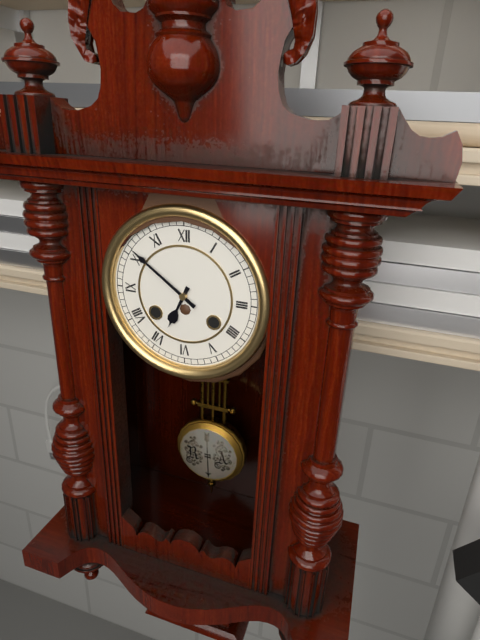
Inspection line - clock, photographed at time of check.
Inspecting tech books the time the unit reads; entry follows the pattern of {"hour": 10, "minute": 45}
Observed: {"hour": 6, "minute": 51}
